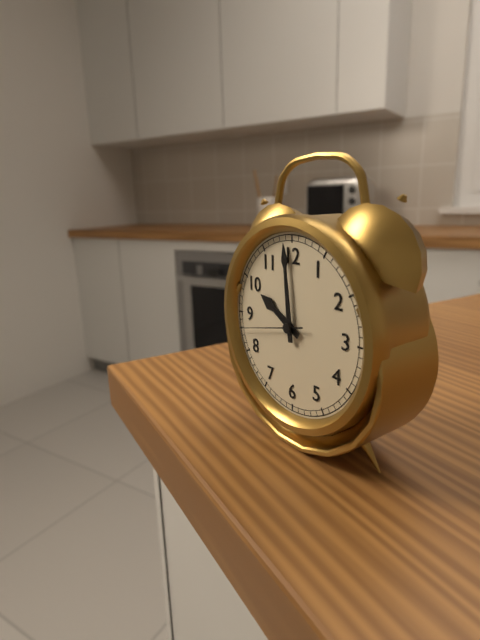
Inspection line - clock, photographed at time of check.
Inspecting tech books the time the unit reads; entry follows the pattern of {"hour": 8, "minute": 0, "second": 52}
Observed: {"hour": 9, "minute": 59, "second": 43}
